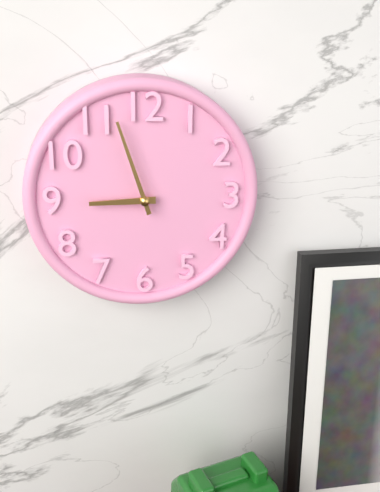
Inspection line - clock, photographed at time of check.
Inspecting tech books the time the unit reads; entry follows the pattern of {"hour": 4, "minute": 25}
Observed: {"hour": 8, "minute": 57}
